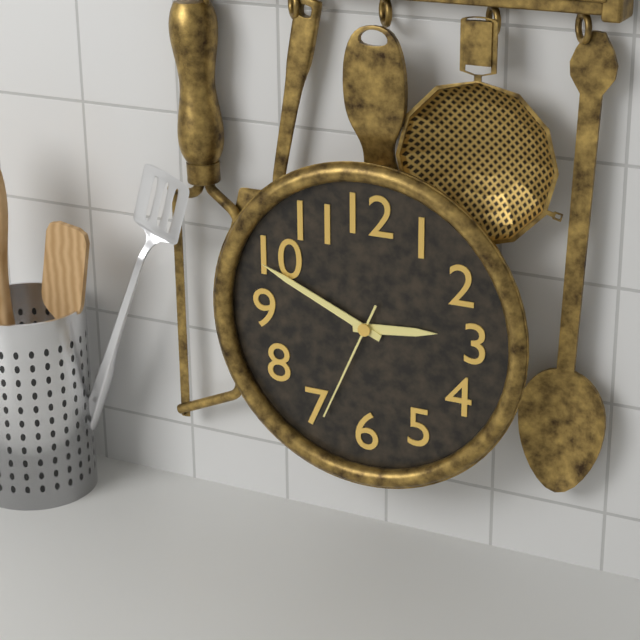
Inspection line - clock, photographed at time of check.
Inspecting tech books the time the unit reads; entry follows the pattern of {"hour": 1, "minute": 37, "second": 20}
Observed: {"hour": 2, "minute": 49, "second": 34}
